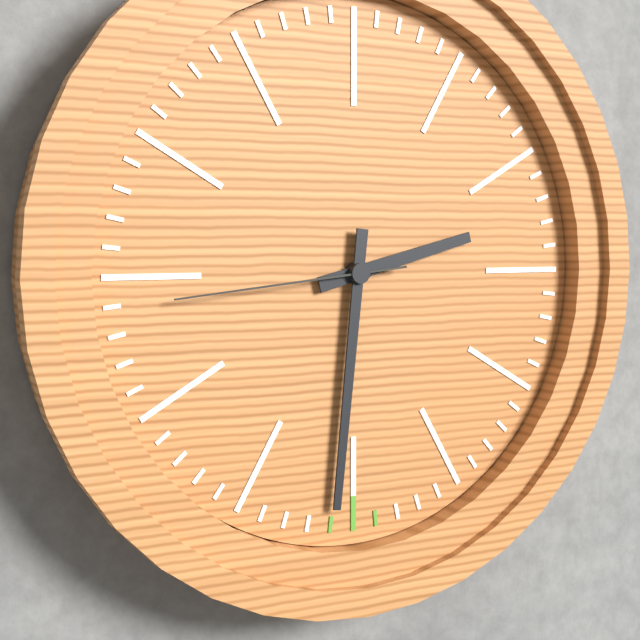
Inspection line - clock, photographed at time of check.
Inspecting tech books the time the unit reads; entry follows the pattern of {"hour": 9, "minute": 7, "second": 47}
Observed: {"hour": 2, "minute": 31, "second": 44}
